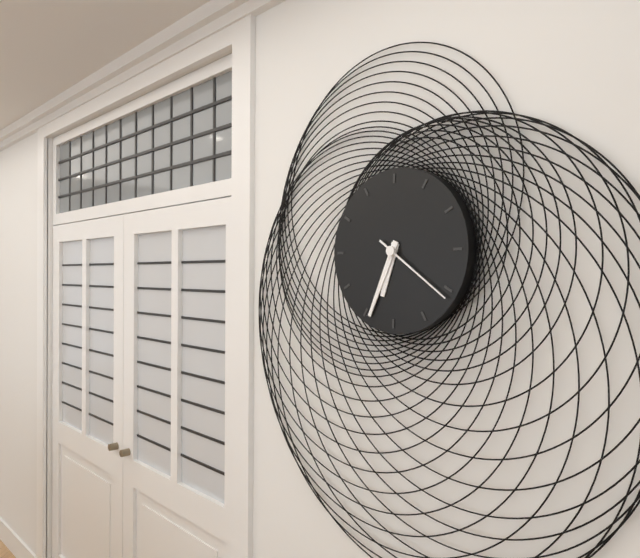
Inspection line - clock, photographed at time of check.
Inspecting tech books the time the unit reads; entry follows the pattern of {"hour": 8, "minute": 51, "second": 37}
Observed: {"hour": 6, "minute": 34, "second": 21}
